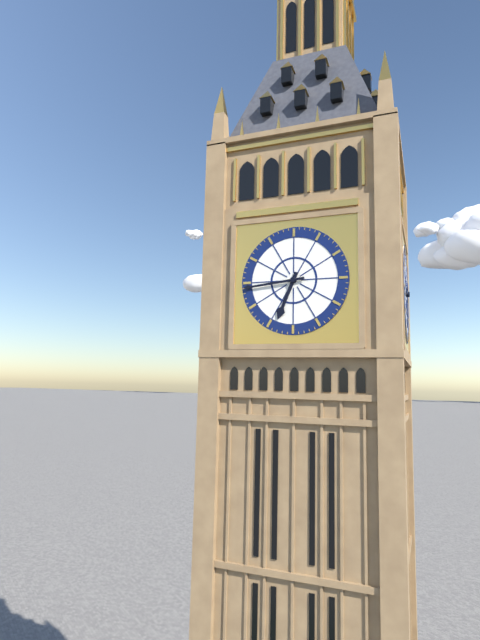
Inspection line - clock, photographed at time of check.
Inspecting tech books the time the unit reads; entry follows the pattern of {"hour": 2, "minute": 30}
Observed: {"hour": 6, "minute": 44}
